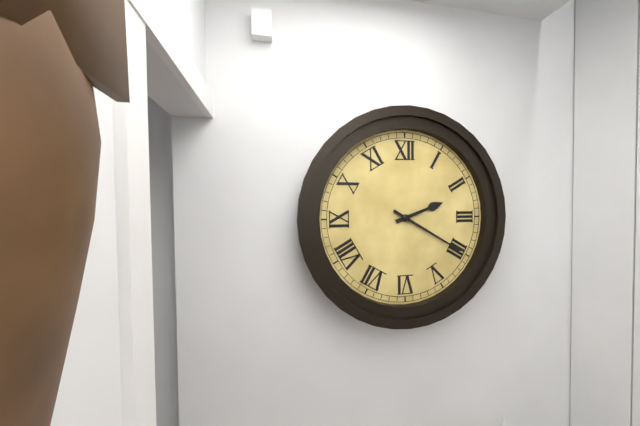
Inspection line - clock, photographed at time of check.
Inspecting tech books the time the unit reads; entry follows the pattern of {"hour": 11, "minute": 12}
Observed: {"hour": 2, "minute": 20}
